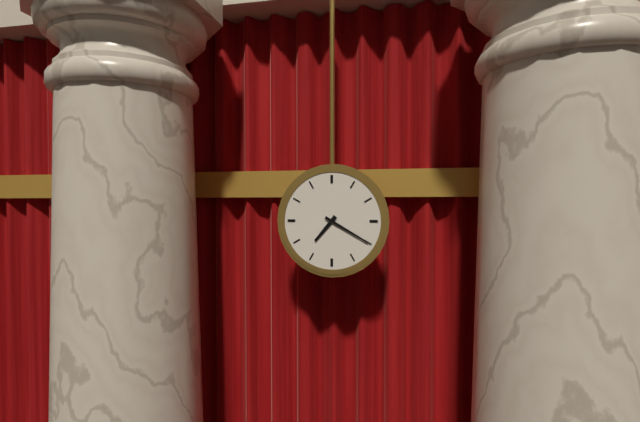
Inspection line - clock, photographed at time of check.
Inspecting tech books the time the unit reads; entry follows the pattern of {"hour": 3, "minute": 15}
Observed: {"hour": 7, "minute": 20}
